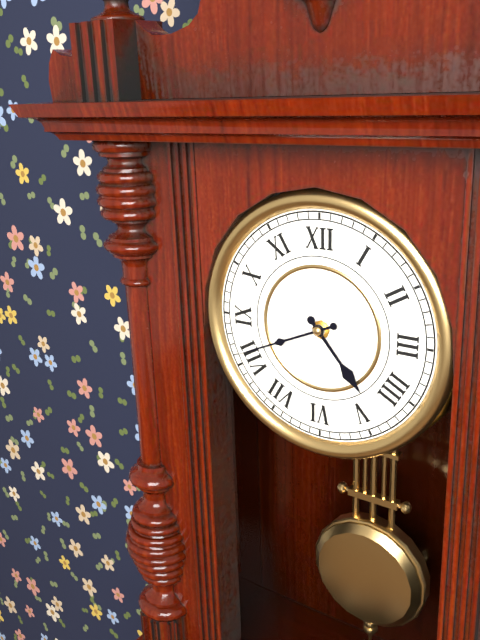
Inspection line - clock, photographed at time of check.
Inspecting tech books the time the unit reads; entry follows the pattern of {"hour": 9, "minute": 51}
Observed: {"hour": 4, "minute": 41}
